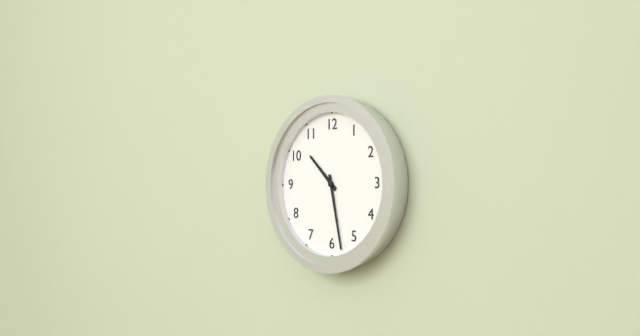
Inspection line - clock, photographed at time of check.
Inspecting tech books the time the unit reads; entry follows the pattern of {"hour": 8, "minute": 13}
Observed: {"hour": 10, "minute": 28}
